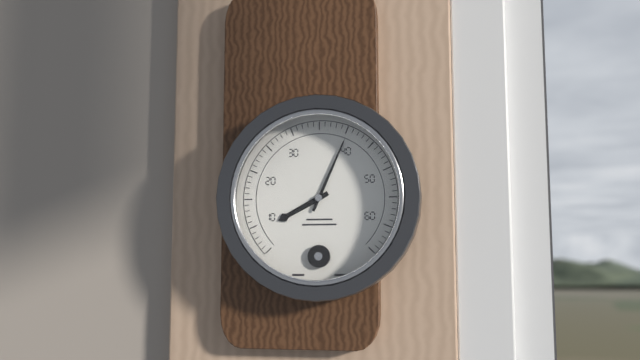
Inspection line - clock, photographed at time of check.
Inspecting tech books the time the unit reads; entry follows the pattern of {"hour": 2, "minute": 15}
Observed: {"hour": 8, "minute": 4}
